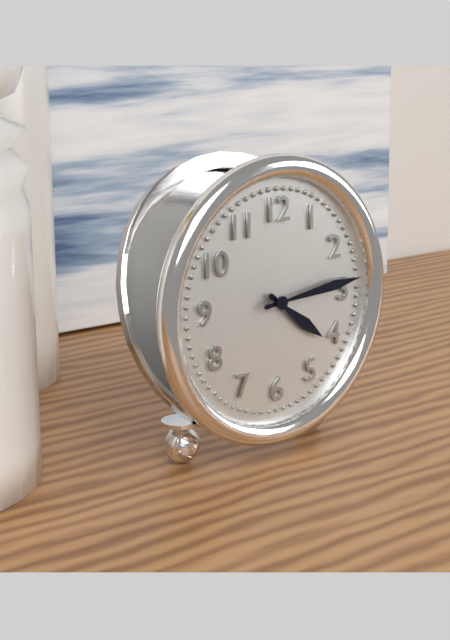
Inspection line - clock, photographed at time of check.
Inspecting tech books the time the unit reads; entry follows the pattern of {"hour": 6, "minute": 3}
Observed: {"hour": 4, "minute": 14}
